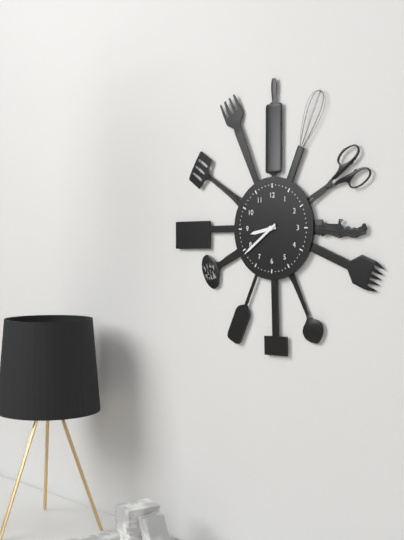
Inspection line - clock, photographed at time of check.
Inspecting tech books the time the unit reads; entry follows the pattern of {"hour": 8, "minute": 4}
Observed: {"hour": 8, "minute": 39}
